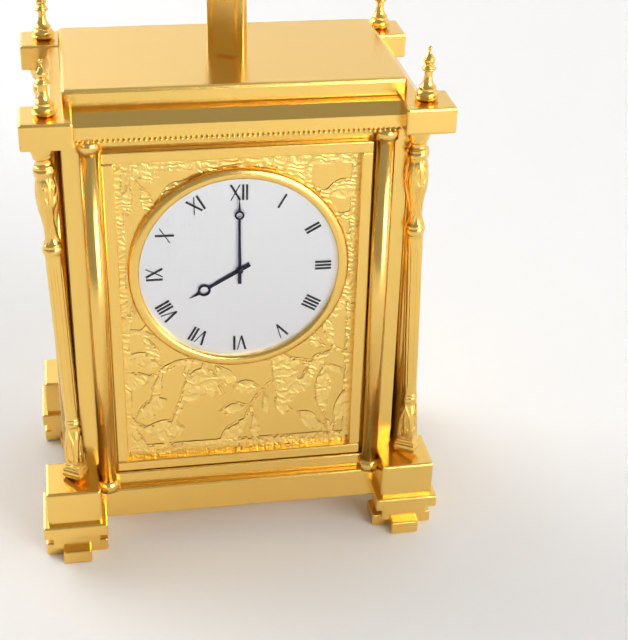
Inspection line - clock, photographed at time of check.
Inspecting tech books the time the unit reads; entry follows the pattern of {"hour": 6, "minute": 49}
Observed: {"hour": 8, "minute": 0}
